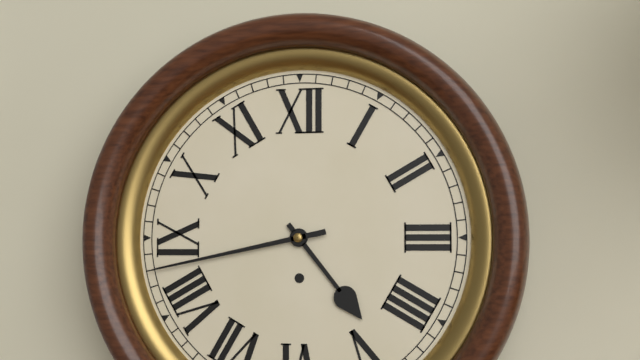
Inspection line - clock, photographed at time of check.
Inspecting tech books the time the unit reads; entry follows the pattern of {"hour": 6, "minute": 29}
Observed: {"hour": 4, "minute": 43}
